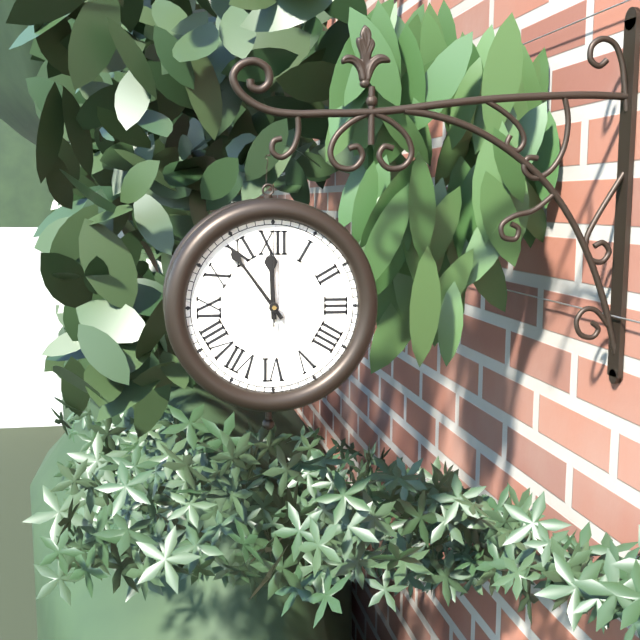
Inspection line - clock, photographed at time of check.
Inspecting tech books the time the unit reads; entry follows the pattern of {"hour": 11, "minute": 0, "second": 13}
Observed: {"hour": 11, "minute": 54, "second": 0}
